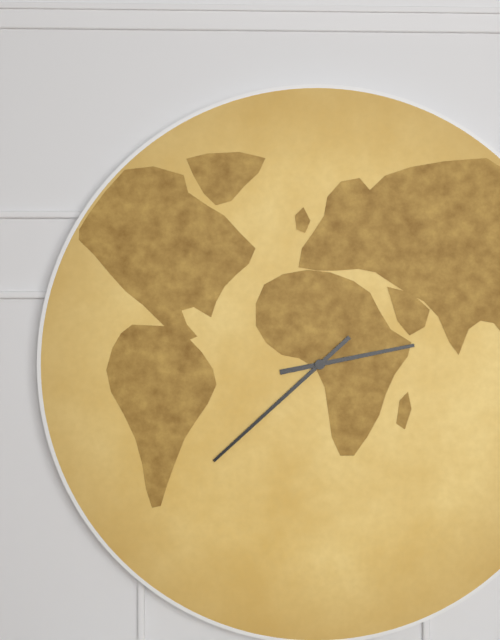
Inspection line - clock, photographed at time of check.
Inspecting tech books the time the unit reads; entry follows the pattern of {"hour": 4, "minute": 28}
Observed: {"hour": 2, "minute": 38}
